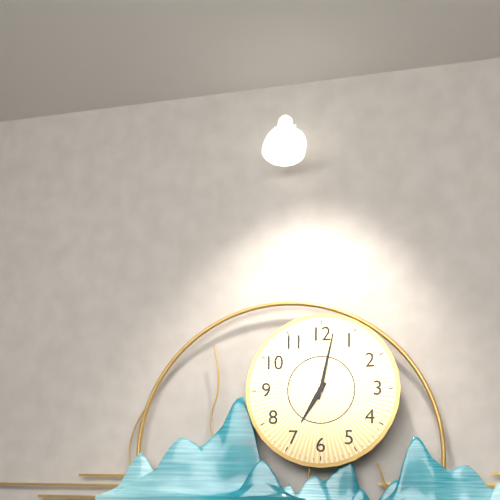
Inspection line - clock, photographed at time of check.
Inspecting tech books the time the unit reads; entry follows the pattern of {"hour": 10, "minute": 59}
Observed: {"hour": 7, "minute": 2}
